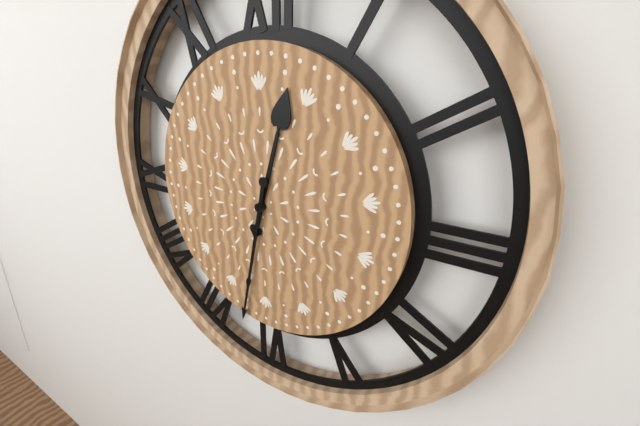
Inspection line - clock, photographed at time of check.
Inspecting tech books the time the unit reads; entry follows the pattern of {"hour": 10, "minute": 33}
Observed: {"hour": 12, "minute": 32}
